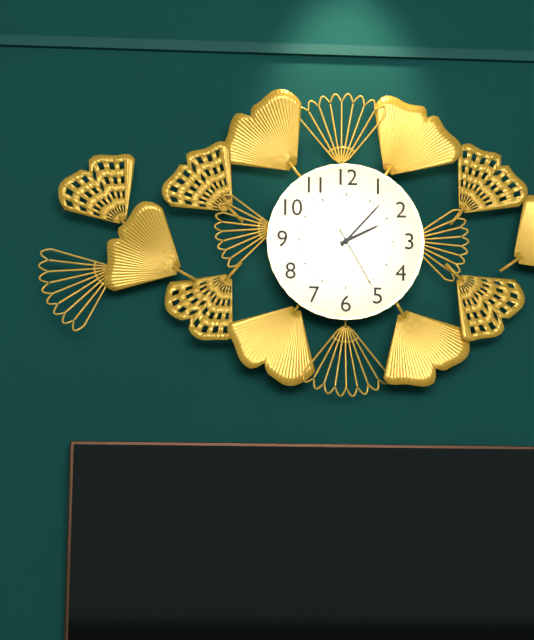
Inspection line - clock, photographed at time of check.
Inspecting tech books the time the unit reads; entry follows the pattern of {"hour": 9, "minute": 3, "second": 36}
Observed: {"hour": 2, "minute": 7, "second": 25}
